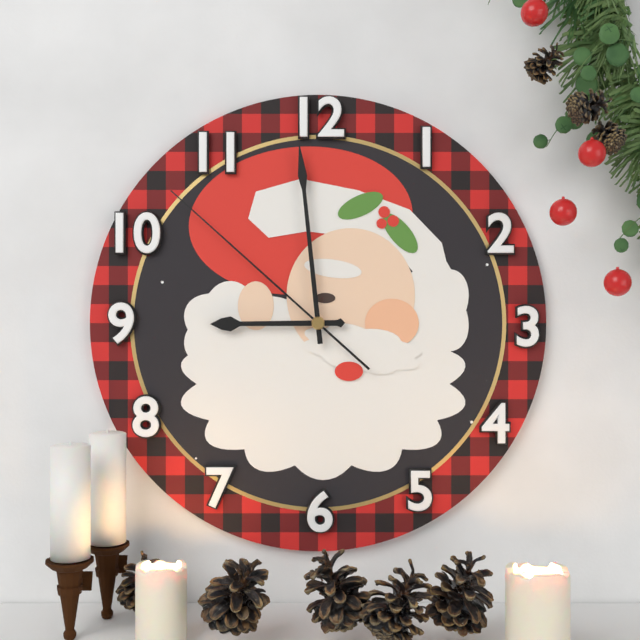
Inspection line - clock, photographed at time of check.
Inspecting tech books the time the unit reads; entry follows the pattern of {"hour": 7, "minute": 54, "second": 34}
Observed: {"hour": 8, "minute": 59, "second": 52}
